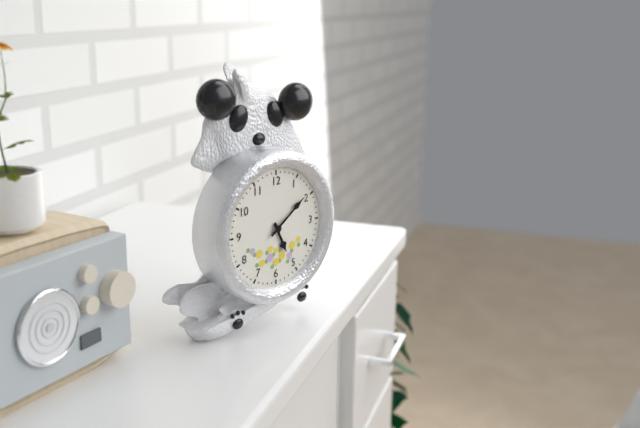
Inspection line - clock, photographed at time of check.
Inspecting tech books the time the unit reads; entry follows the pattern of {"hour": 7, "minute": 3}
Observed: {"hour": 5, "minute": 9}
